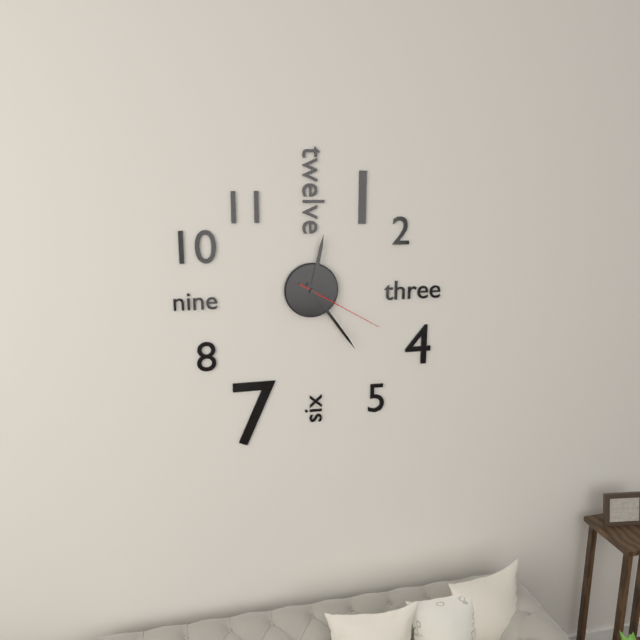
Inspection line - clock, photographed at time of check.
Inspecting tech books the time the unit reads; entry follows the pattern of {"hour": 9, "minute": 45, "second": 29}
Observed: {"hour": 12, "minute": 24, "second": 20}
